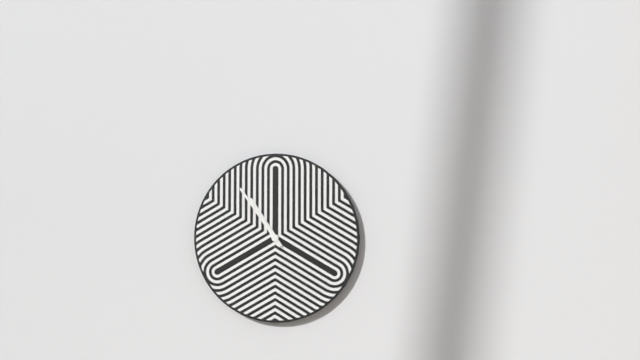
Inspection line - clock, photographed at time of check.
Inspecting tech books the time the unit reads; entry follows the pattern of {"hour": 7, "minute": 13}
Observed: {"hour": 10, "minute": 54}
